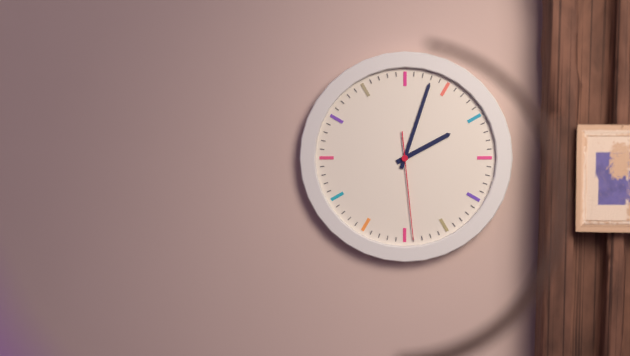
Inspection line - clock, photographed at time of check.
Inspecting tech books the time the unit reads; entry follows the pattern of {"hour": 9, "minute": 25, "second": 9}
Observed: {"hour": 2, "minute": 3, "second": 29}
